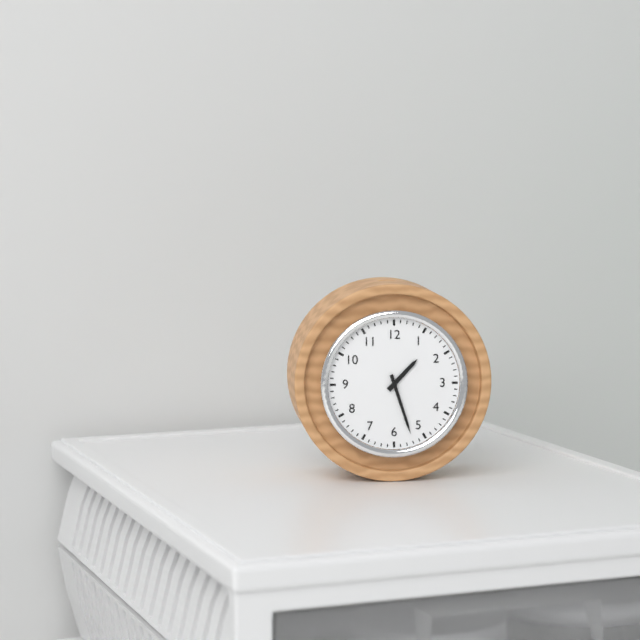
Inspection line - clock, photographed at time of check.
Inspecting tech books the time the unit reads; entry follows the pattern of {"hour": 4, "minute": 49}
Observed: {"hour": 1, "minute": 27}
